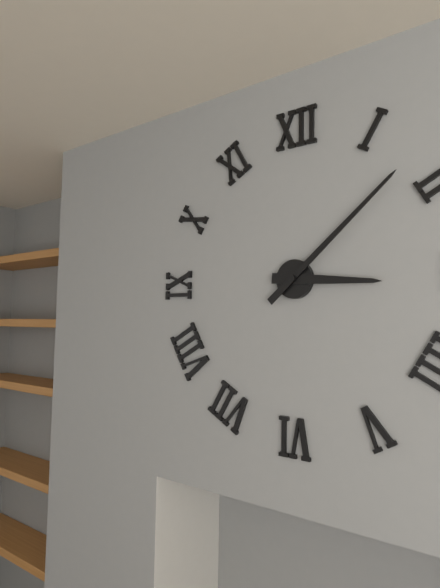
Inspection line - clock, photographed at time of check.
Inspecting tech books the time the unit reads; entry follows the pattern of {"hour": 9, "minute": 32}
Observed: {"hour": 3, "minute": 8}
